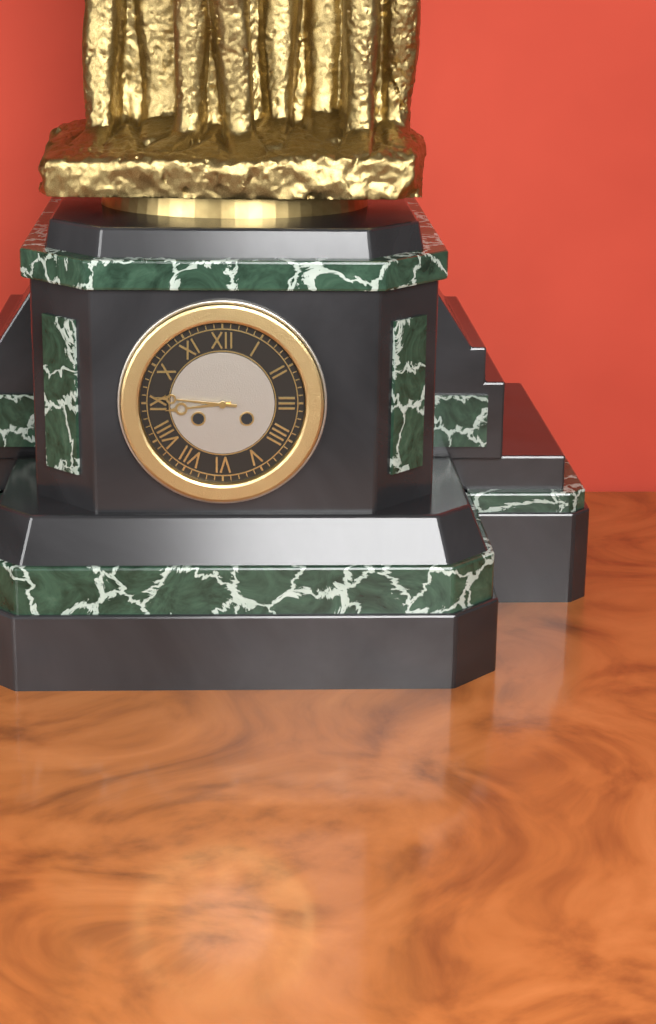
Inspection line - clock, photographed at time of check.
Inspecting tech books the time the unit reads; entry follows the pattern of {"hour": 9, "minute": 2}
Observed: {"hour": 8, "minute": 46}
